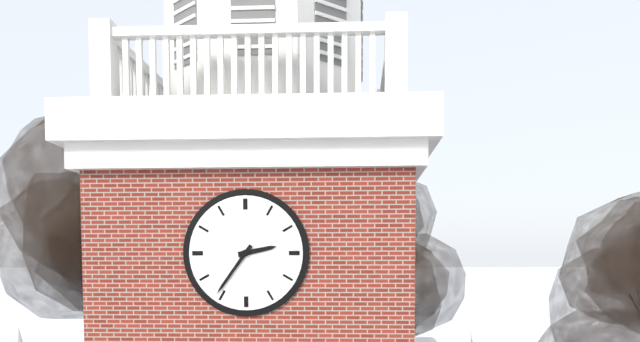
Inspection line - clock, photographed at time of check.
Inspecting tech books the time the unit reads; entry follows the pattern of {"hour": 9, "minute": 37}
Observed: {"hour": 2, "minute": 36}
